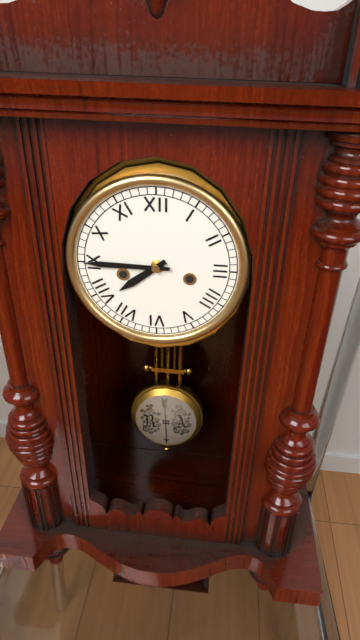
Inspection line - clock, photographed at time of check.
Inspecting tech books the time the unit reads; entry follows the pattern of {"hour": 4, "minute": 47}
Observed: {"hour": 7, "minute": 45}
